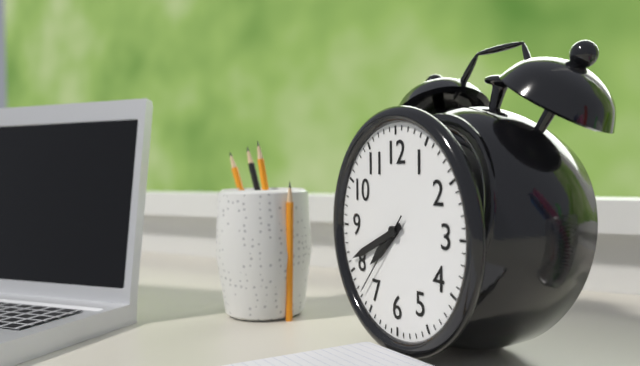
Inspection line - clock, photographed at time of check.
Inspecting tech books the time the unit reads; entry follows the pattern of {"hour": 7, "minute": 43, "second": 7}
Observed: {"hour": 7, "minute": 41, "second": 37}
